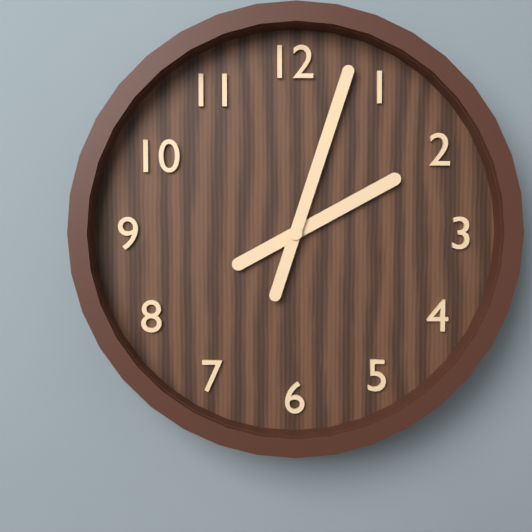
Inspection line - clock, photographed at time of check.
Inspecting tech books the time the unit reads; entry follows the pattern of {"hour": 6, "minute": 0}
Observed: {"hour": 2, "minute": 3}
